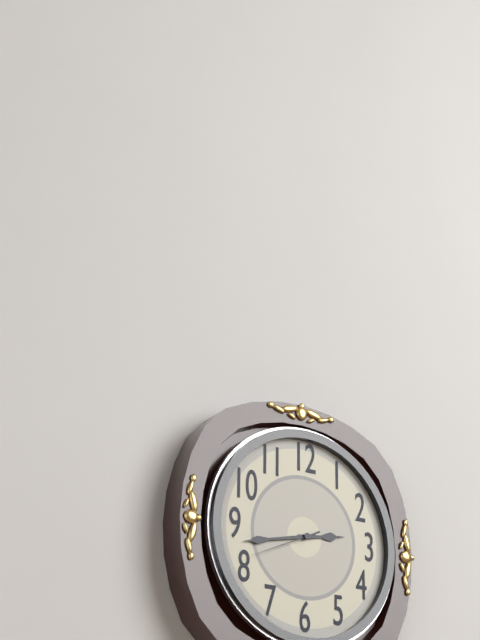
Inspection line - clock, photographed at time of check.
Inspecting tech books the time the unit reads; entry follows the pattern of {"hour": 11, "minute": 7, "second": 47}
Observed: {"hour": 2, "minute": 43, "second": 41}
